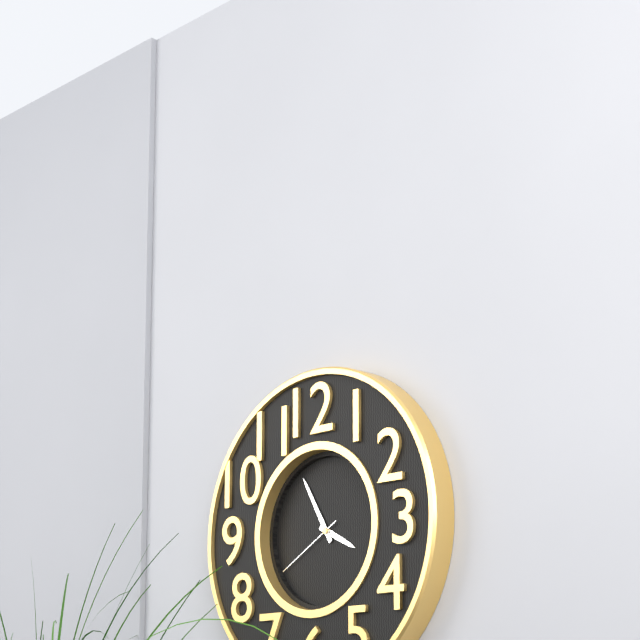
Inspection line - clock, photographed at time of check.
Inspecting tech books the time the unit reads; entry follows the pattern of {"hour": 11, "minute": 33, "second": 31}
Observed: {"hour": 3, "minute": 55, "second": 40}
